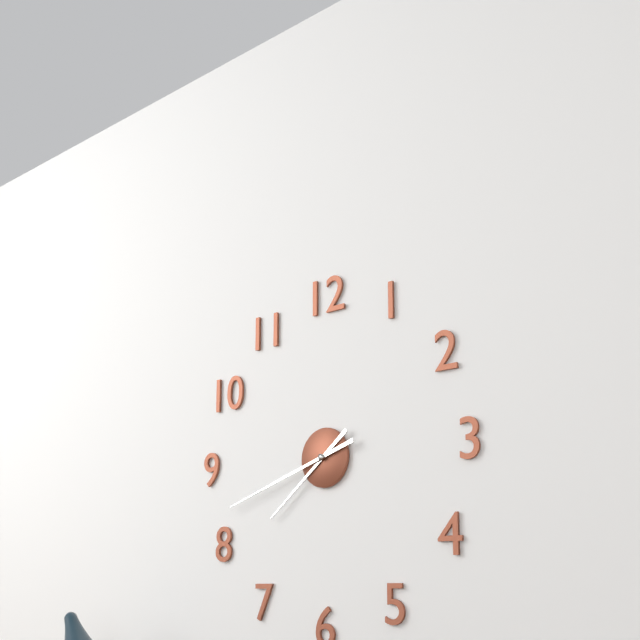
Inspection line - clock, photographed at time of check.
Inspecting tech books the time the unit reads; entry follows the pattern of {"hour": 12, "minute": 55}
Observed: {"hour": 7, "minute": 42}
